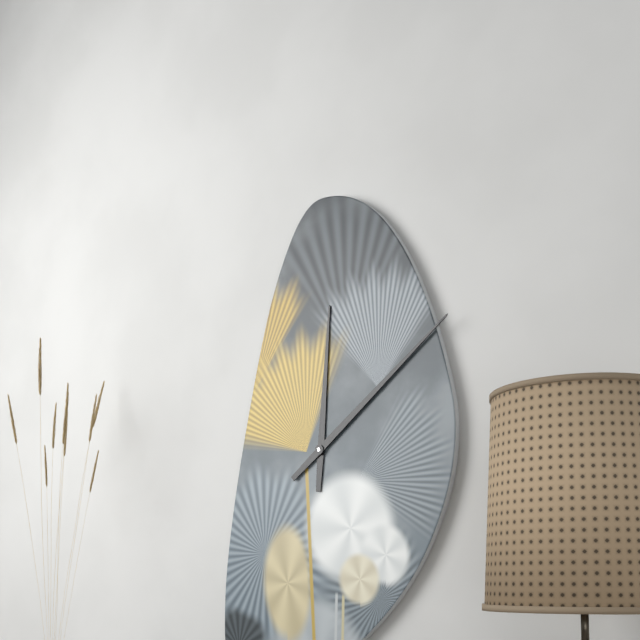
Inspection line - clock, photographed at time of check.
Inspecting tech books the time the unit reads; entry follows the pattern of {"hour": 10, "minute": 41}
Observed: {"hour": 12, "minute": 9}
